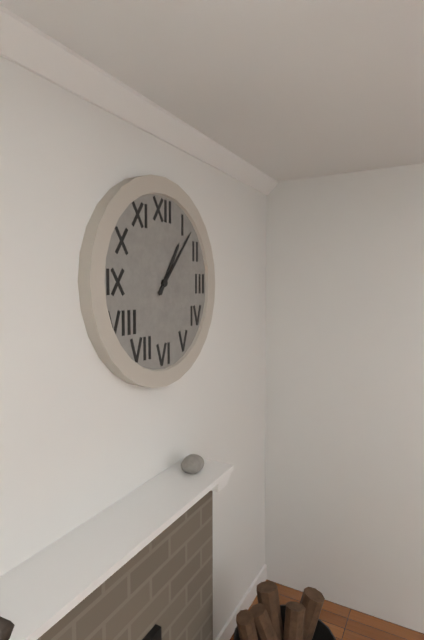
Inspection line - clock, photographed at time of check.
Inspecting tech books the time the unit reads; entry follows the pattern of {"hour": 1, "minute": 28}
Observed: {"hour": 1, "minute": 7}
